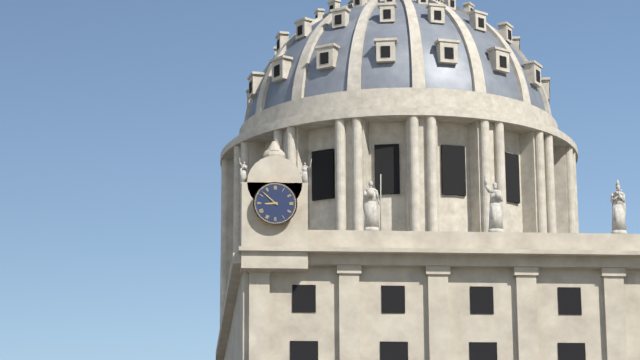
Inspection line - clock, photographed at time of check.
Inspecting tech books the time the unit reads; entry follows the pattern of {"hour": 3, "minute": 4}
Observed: {"hour": 8, "minute": 52}
